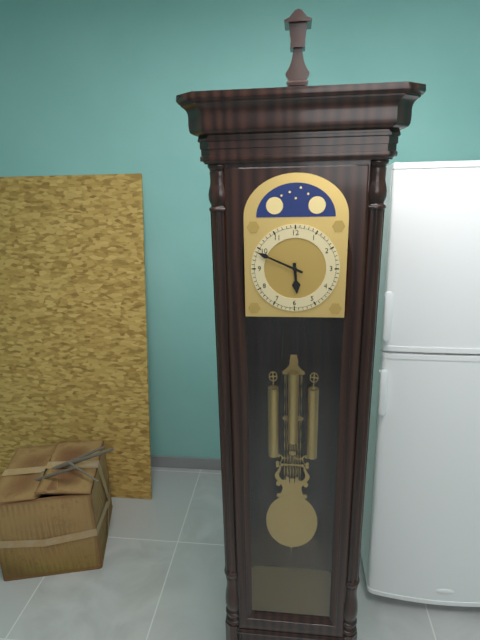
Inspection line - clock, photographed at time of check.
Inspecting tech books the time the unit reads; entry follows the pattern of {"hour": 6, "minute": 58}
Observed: {"hour": 5, "minute": 49}
